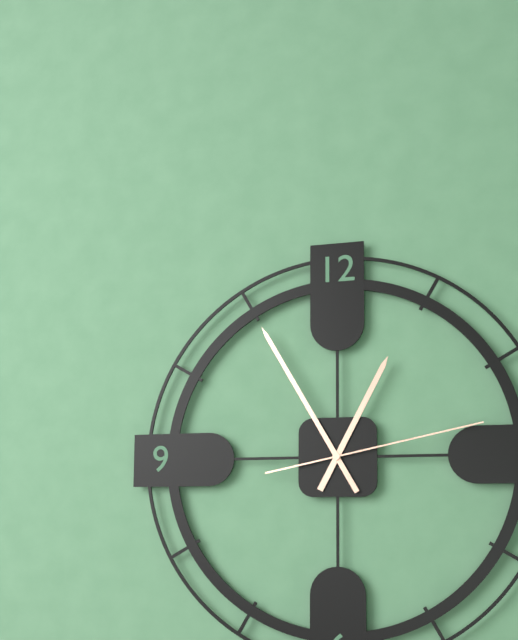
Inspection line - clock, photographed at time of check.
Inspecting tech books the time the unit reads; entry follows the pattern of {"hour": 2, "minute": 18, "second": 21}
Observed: {"hour": 12, "minute": 55, "second": 13}
